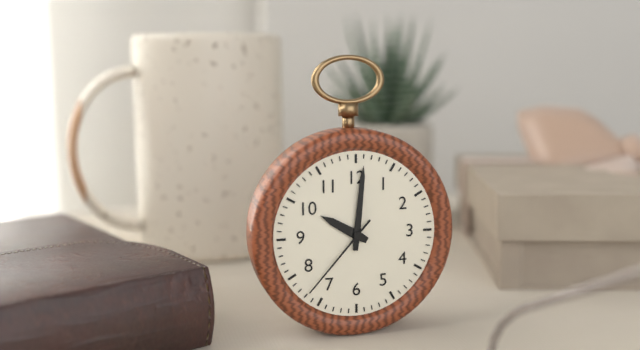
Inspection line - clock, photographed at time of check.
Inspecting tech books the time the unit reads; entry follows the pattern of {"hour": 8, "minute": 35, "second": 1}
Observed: {"hour": 10, "minute": 1, "second": 37}
